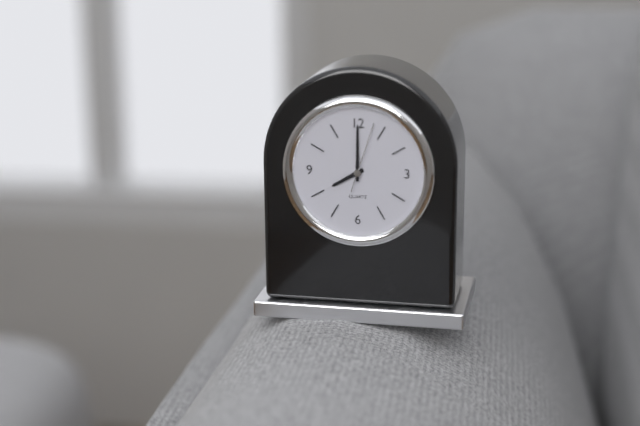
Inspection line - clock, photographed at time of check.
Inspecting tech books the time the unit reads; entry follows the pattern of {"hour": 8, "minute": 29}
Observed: {"hour": 8, "minute": 0}
